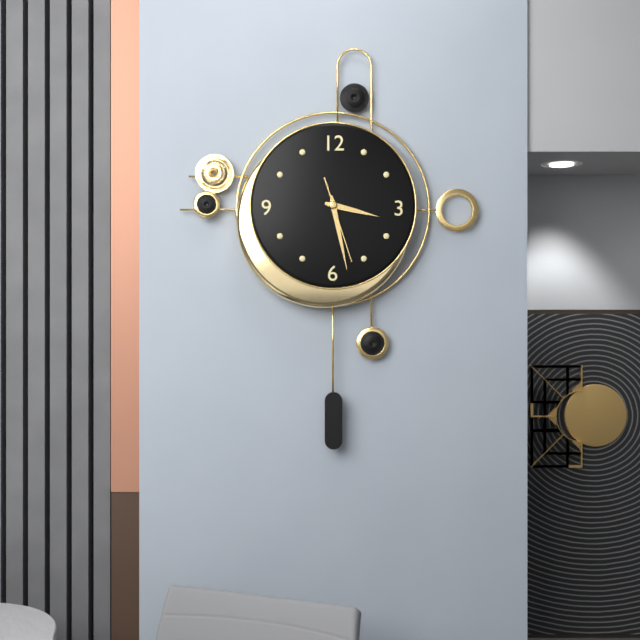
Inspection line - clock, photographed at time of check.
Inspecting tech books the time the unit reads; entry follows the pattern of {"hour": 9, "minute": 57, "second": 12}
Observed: {"hour": 3, "minute": 28, "second": 27}
